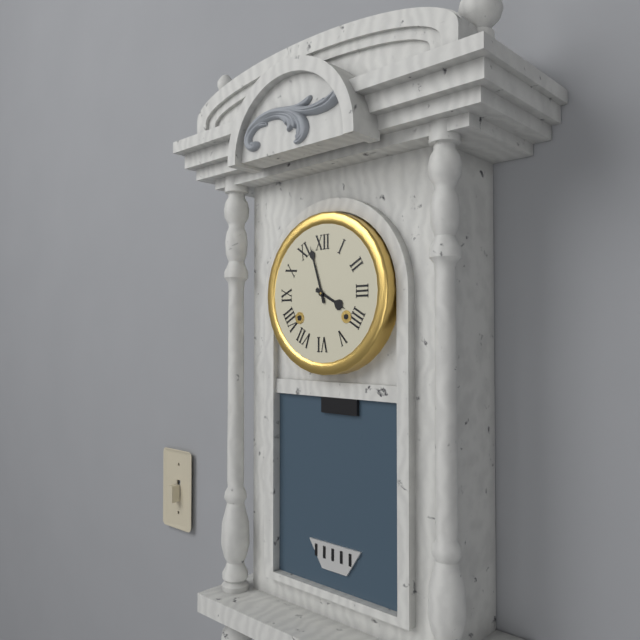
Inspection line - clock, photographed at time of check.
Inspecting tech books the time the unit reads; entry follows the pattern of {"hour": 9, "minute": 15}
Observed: {"hour": 3, "minute": 57}
